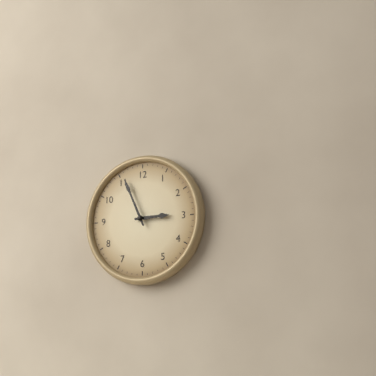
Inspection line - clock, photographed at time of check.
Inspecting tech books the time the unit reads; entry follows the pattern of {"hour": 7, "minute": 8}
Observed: {"hour": 2, "minute": 56}
